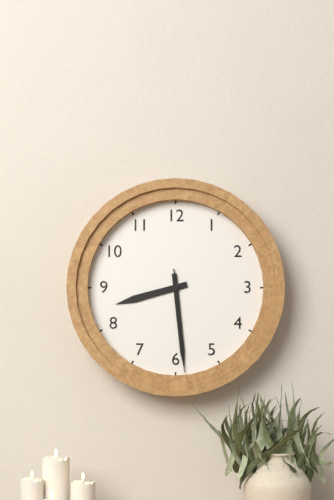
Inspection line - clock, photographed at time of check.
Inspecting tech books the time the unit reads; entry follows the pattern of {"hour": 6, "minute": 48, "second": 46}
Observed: {"hour": 8, "minute": 29, "second": 29}
